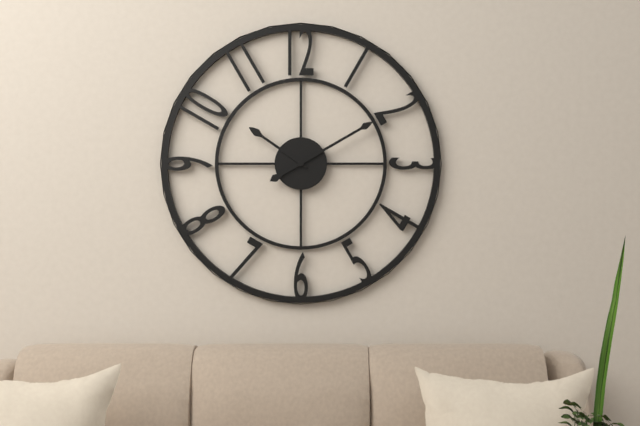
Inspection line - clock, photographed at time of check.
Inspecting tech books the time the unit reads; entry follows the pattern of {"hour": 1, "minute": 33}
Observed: {"hour": 10, "minute": 10}
